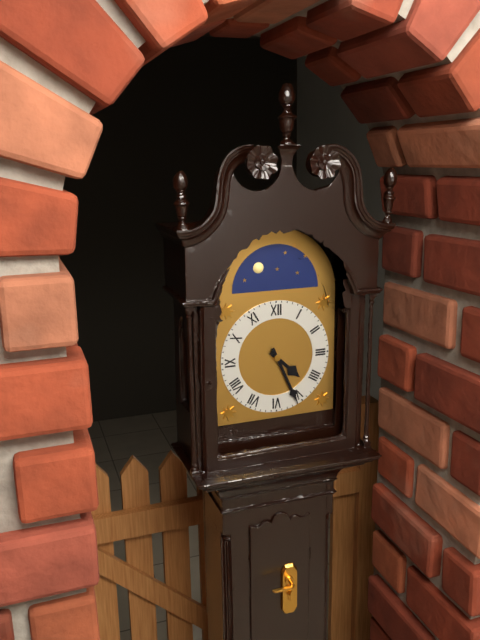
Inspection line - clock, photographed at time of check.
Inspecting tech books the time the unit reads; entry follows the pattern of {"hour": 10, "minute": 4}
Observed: {"hour": 4, "minute": 26}
